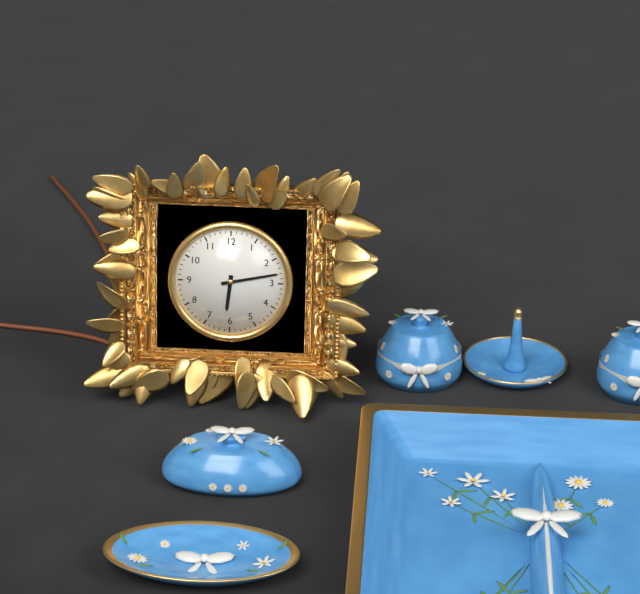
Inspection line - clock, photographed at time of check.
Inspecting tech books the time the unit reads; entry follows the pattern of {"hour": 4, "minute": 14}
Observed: {"hour": 6, "minute": 13}
